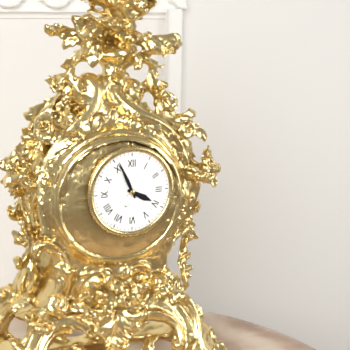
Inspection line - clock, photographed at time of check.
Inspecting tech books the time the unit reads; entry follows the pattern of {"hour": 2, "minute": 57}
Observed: {"hour": 3, "minute": 56}
